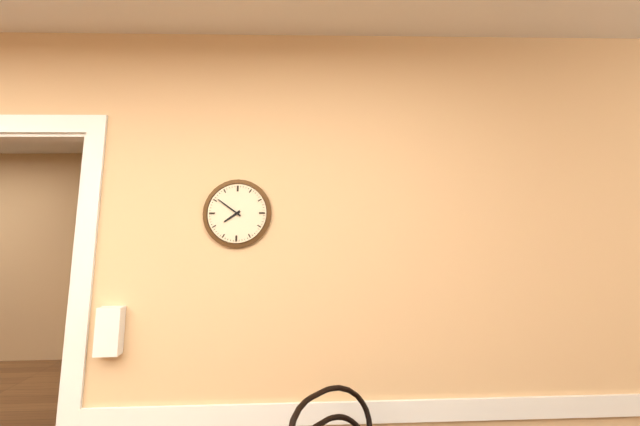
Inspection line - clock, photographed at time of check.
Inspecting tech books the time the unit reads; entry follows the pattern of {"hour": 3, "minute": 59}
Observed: {"hour": 7, "minute": 51}
